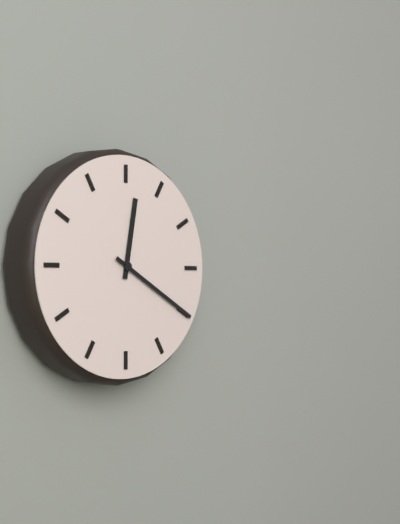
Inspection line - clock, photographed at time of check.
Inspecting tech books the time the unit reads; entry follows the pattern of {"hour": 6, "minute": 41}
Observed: {"hour": 12, "minute": 20}
